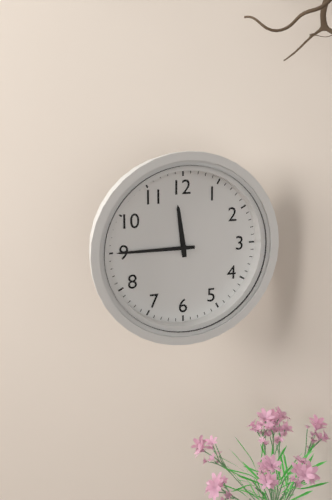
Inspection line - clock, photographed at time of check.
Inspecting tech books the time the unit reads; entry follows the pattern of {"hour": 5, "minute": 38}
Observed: {"hour": 11, "minute": 45}
